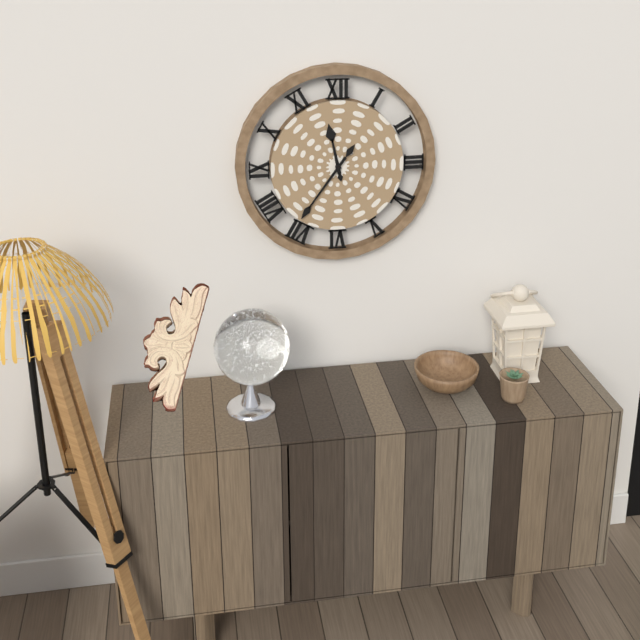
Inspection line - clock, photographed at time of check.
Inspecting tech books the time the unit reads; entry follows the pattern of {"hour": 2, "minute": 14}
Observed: {"hour": 11, "minute": 36}
